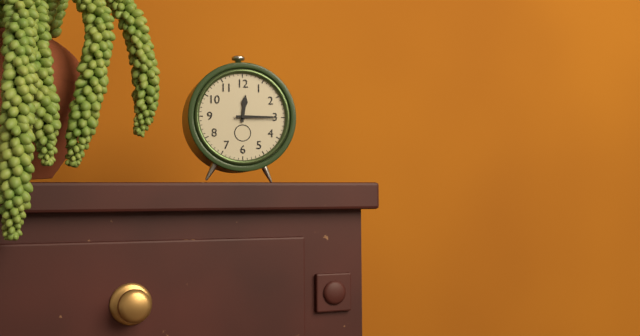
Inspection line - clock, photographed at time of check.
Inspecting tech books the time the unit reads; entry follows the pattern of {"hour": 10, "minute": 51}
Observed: {"hour": 12, "minute": 15}
